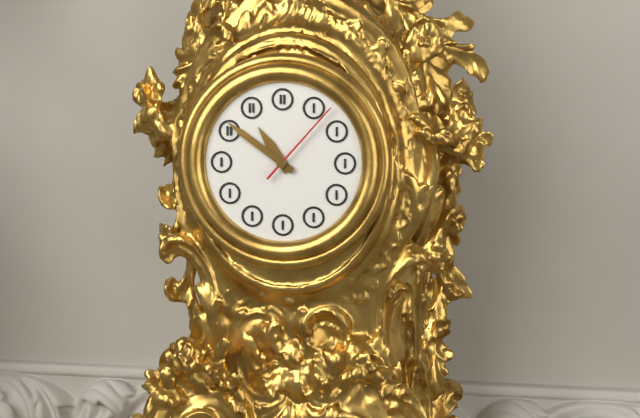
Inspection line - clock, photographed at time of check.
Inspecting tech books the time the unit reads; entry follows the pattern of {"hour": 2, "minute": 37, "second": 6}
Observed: {"hour": 10, "minute": 51, "second": 7}
